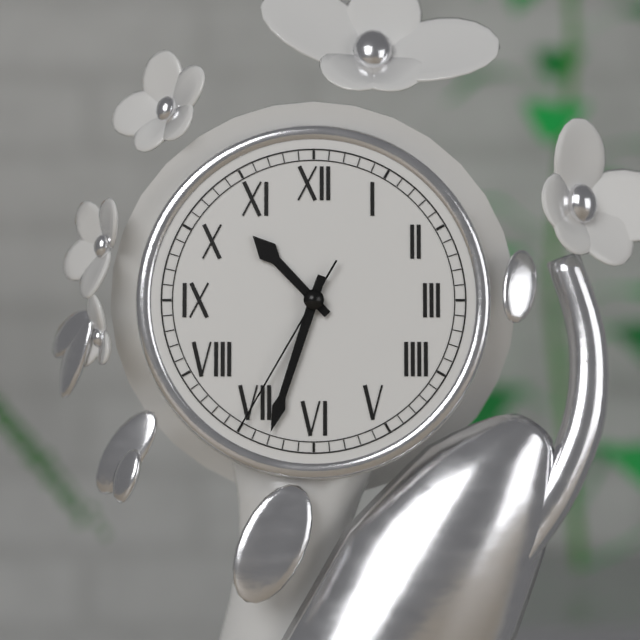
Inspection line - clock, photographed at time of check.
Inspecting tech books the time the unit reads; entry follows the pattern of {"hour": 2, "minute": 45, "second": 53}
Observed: {"hour": 10, "minute": 33, "second": 35}
